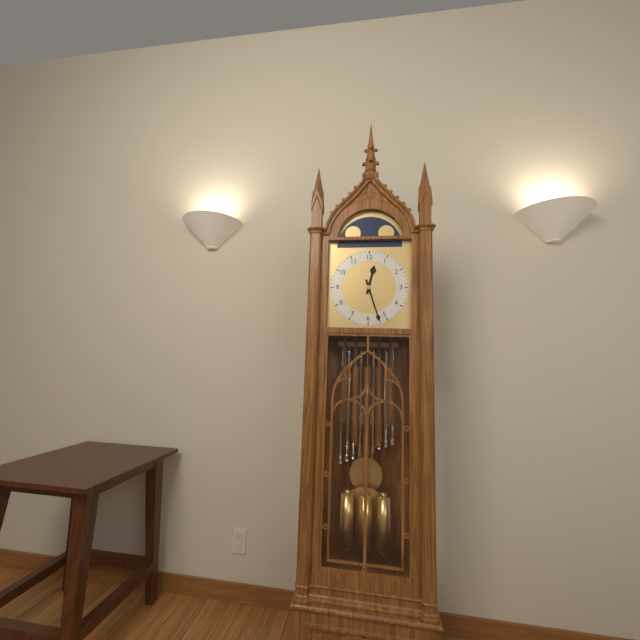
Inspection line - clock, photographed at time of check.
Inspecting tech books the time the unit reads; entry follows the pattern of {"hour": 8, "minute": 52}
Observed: {"hour": 12, "minute": 27}
